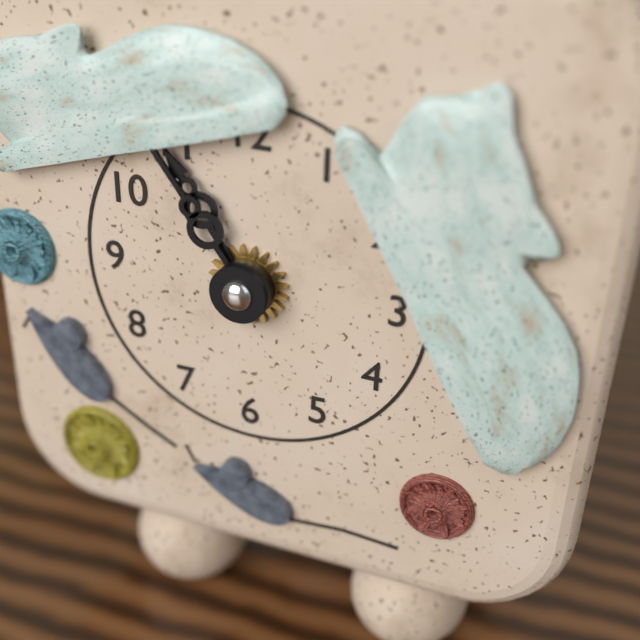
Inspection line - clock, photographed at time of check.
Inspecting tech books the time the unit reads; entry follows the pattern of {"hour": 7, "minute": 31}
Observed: {"hour": 10, "minute": 54}
